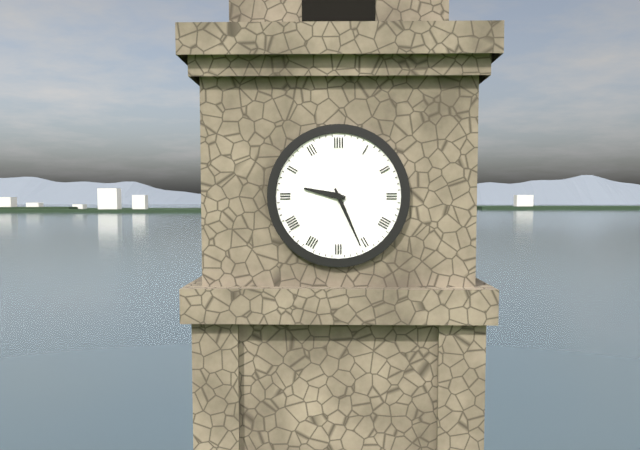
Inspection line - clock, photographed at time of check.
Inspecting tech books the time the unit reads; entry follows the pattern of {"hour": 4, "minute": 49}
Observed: {"hour": 9, "minute": 26}
